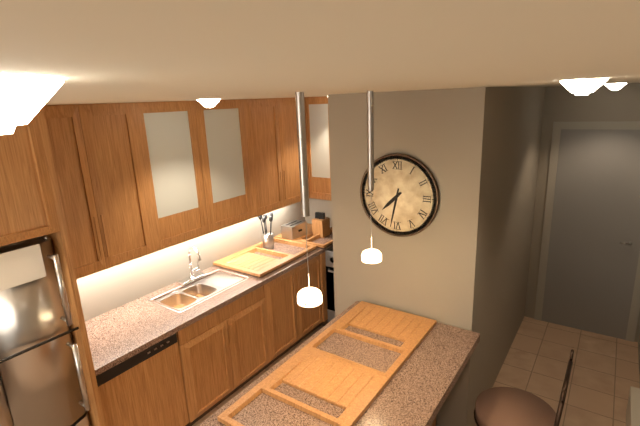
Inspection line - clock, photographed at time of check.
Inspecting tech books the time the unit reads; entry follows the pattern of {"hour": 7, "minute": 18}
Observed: {"hour": 7, "minute": 32}
